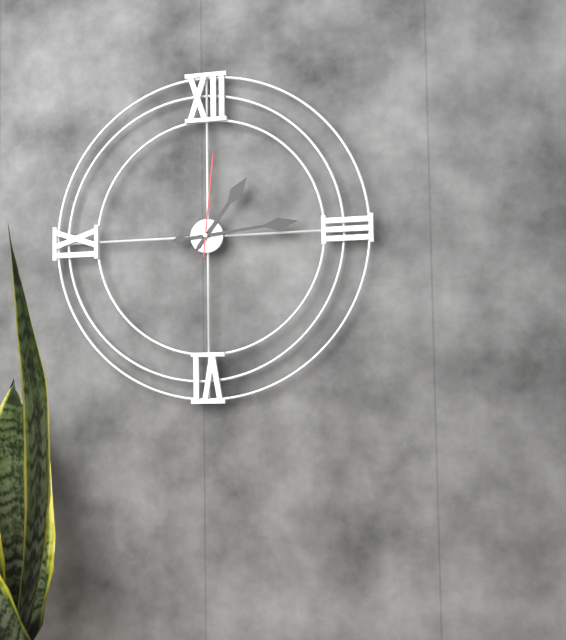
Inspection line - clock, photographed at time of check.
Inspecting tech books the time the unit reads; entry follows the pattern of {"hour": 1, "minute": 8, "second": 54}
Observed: {"hour": 1, "minute": 14, "second": 1}
